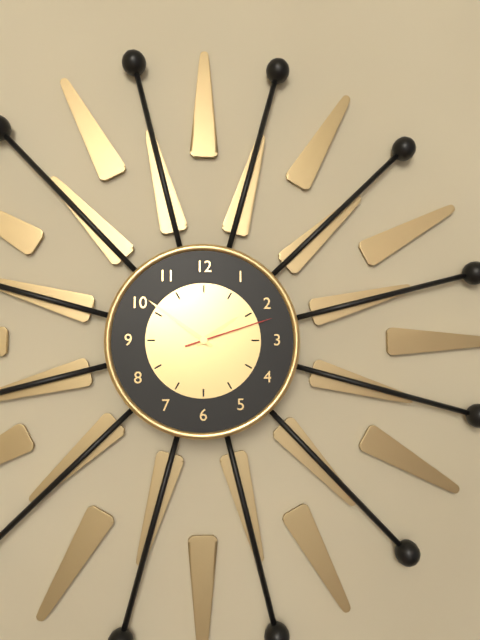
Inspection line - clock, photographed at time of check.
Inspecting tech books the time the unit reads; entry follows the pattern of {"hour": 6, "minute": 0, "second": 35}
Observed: {"hour": 1, "minute": 51, "second": 12}
